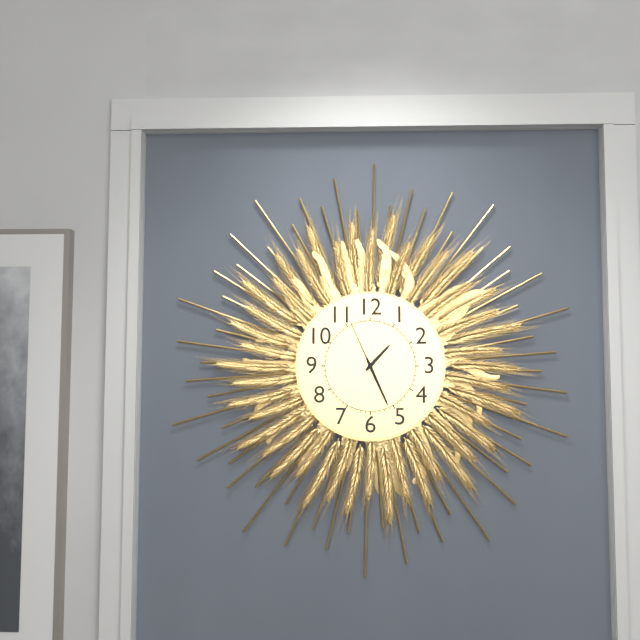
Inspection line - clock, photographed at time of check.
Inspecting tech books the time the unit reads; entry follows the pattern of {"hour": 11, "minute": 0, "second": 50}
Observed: {"hour": 1, "minute": 26, "second": 56}
